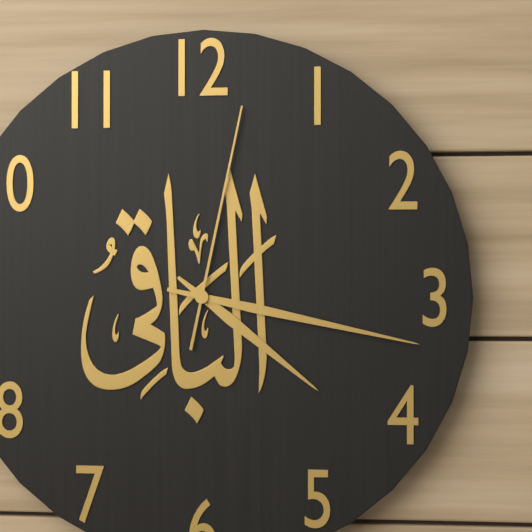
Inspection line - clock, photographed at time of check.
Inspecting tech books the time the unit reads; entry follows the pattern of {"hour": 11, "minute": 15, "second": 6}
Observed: {"hour": 4, "minute": 17, "second": 2}
